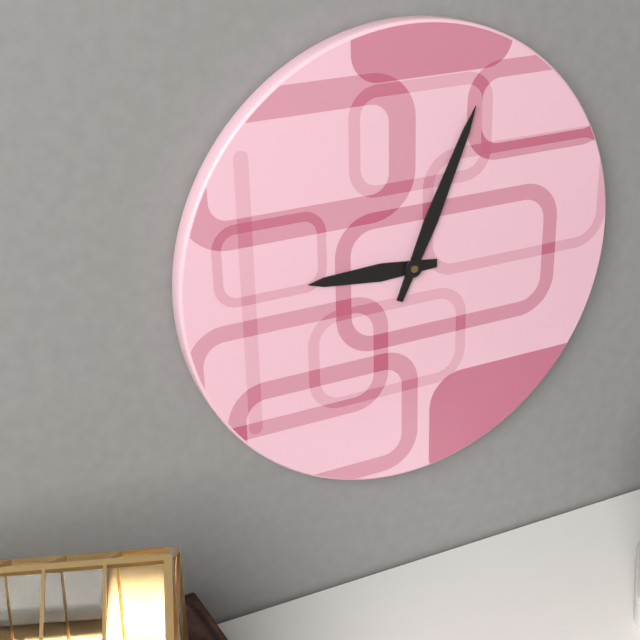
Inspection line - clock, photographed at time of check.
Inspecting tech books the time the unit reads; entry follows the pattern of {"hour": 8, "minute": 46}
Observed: {"hour": 9, "minute": 4}
